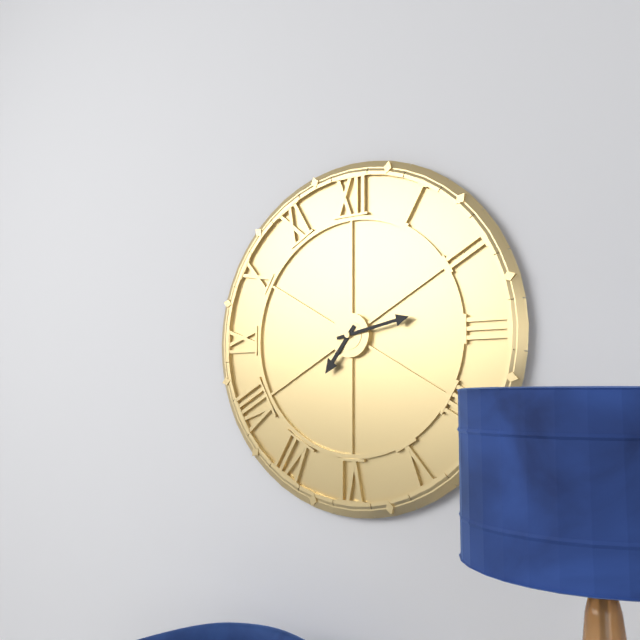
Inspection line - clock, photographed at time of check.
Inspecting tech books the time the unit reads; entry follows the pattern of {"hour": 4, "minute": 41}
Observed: {"hour": 7, "minute": 13}
